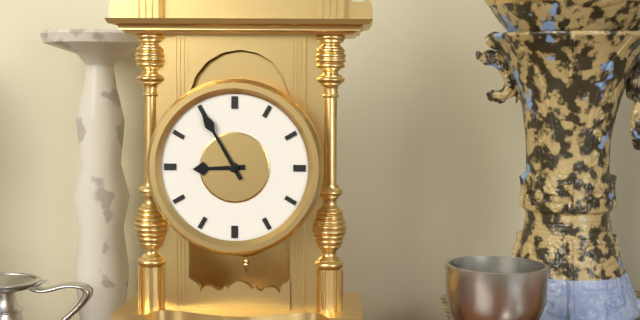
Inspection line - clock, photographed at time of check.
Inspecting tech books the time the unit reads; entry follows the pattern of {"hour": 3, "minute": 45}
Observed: {"hour": 8, "minute": 55}
